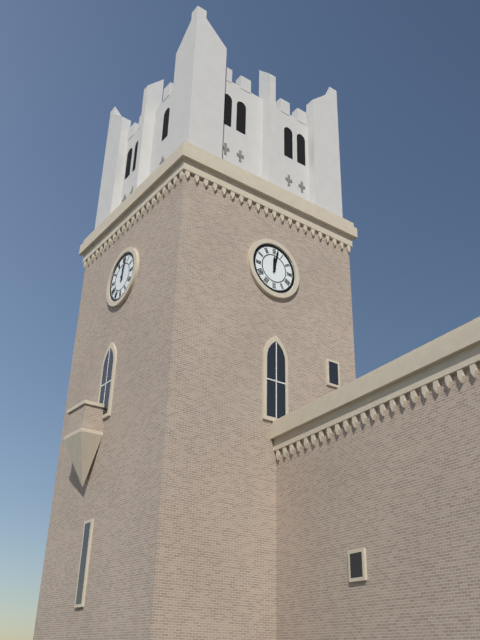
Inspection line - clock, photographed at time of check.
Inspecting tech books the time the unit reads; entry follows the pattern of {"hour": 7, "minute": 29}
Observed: {"hour": 12, "minute": 2}
